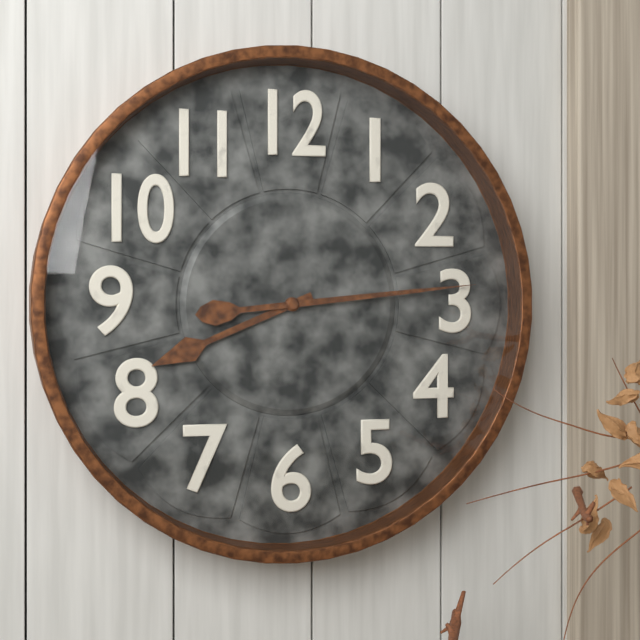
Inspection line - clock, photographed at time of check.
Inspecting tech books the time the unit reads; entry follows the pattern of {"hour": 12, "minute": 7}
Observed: {"hour": 8, "minute": 14}
